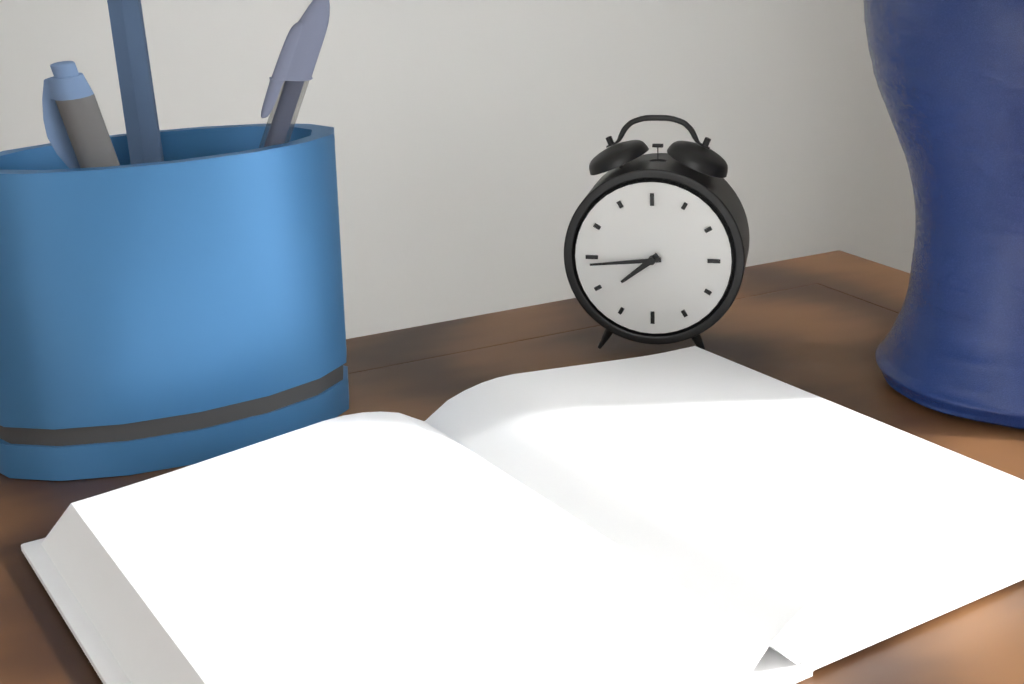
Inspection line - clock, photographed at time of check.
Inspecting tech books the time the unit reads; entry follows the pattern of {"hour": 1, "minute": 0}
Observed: {"hour": 7, "minute": 44}
